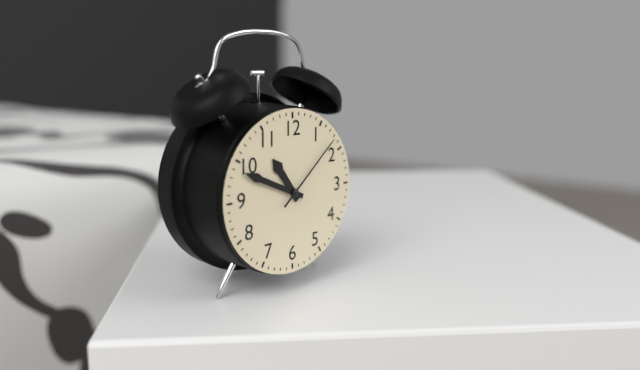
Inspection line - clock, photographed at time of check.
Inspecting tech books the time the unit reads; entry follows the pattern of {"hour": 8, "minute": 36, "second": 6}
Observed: {"hour": 10, "minute": 49, "second": 8}
